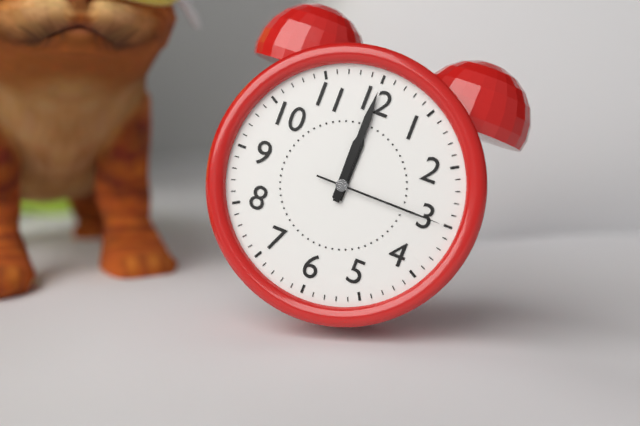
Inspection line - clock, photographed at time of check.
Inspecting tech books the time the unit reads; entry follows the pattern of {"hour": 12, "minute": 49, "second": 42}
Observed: {"hour": 12, "minute": 0, "second": 15}
